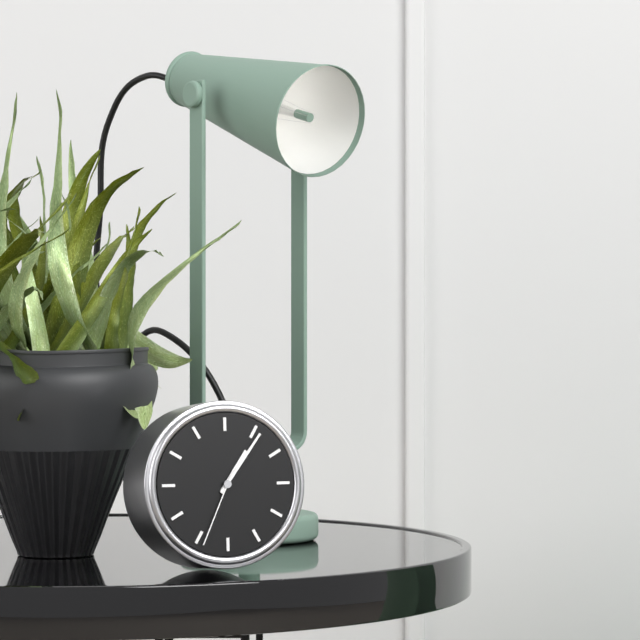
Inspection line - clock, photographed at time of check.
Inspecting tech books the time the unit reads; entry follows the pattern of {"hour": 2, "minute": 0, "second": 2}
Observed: {"hour": 1, "minute": 6, "second": 34}
